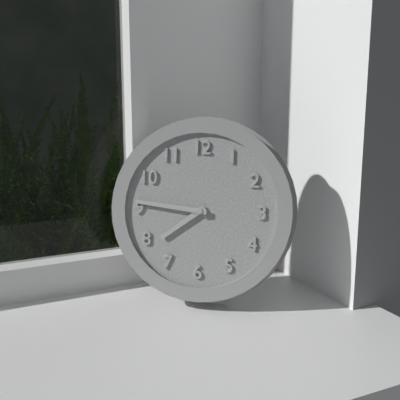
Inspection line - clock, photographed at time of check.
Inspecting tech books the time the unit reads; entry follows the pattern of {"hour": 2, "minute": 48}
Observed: {"hour": 7, "minute": 46}
